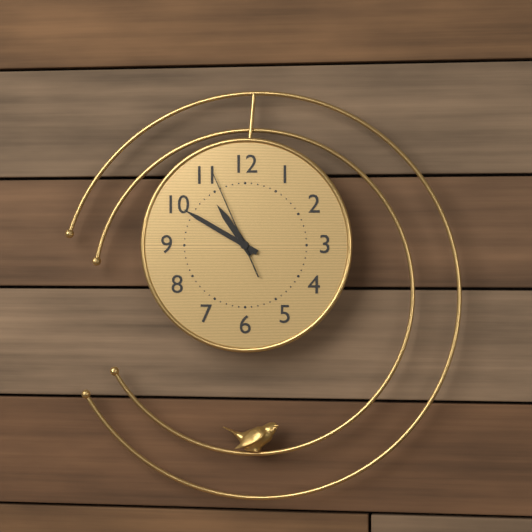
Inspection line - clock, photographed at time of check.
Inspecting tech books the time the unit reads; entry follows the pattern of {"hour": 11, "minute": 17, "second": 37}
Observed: {"hour": 10, "minute": 50, "second": 56}
